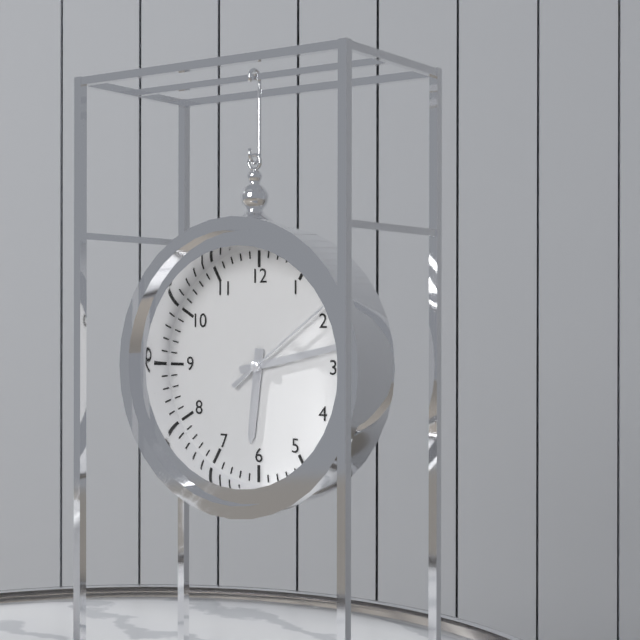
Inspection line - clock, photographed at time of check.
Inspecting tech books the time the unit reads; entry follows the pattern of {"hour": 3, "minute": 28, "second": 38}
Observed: {"hour": 6, "minute": 13, "second": 9}
